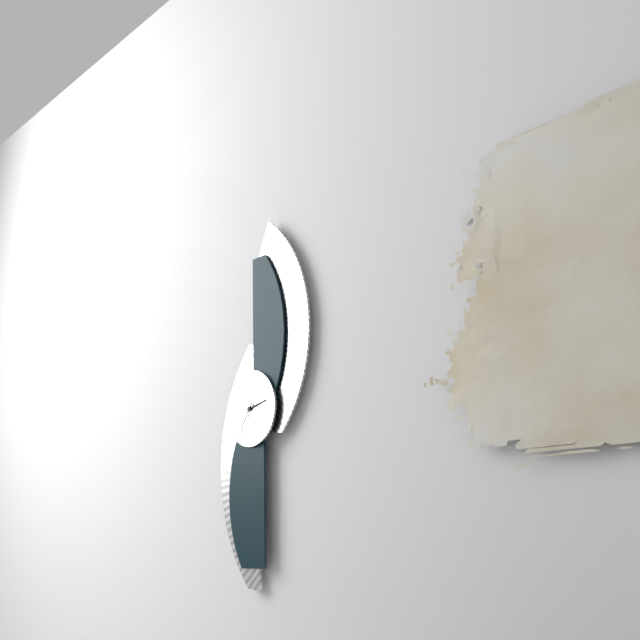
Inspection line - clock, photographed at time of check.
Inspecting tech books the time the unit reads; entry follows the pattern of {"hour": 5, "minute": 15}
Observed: {"hour": 2, "minute": 36}
